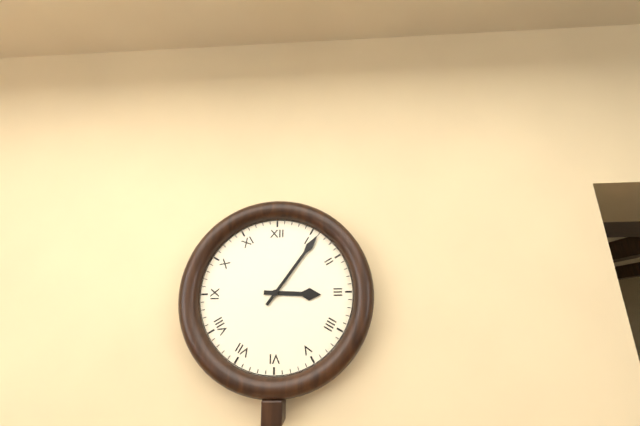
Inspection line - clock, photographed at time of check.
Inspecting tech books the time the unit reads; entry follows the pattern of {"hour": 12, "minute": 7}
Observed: {"hour": 3, "minute": 6}
